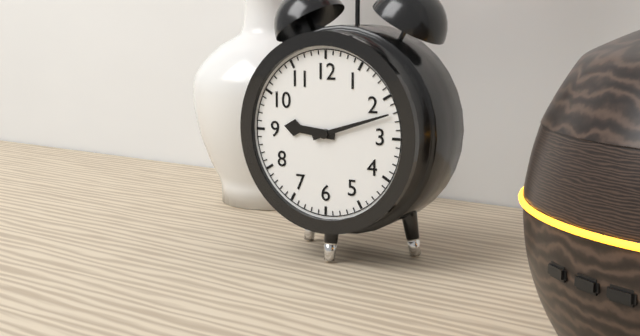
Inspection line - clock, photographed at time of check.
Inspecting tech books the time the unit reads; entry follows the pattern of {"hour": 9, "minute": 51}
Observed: {"hour": 9, "minute": 12}
